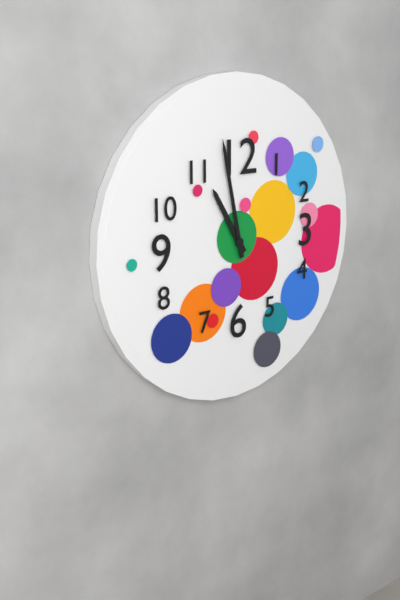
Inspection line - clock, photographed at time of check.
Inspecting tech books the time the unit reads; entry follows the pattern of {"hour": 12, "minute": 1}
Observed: {"hour": 10, "minute": 58}
